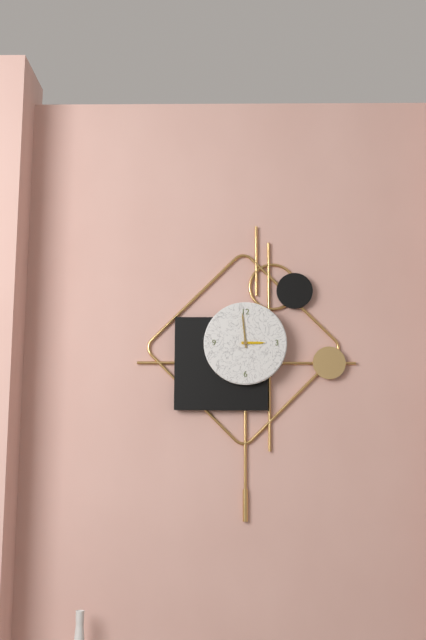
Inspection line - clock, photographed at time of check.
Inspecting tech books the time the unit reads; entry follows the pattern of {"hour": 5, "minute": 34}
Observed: {"hour": 2, "minute": 59}
